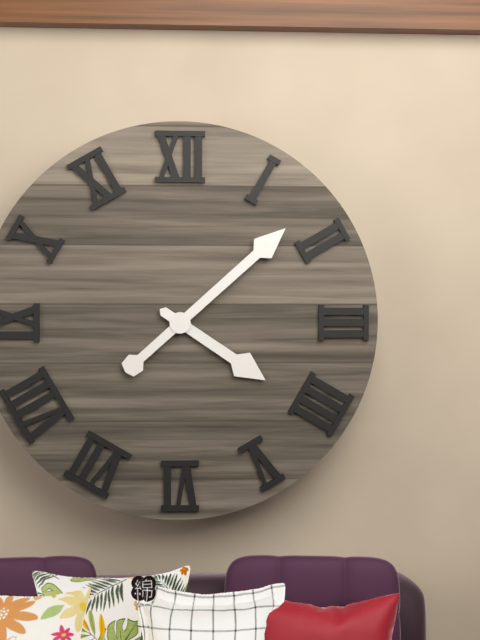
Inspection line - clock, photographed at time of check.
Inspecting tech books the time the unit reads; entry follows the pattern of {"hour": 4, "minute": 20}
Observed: {"hour": 4, "minute": 8}
